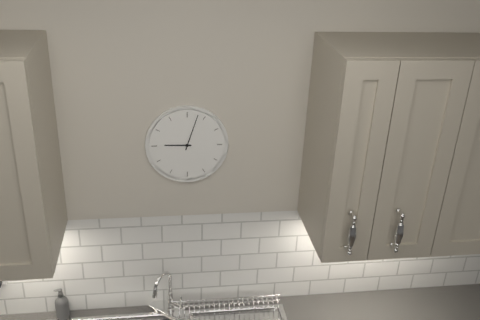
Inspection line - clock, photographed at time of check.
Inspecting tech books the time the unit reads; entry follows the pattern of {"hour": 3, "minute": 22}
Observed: {"hour": 9, "minute": 3}
